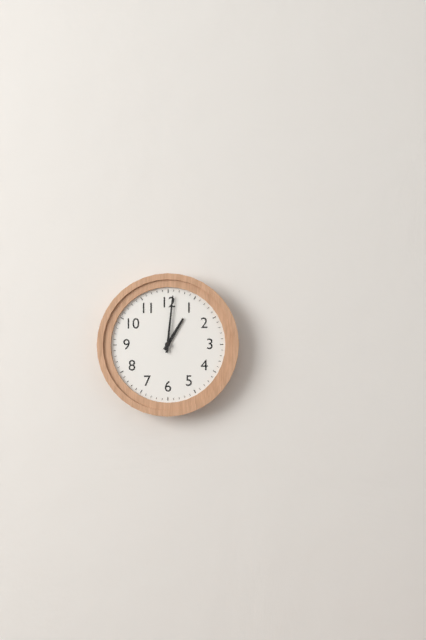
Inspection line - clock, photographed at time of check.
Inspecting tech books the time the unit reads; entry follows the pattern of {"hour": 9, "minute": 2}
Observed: {"hour": 1, "minute": 1}
